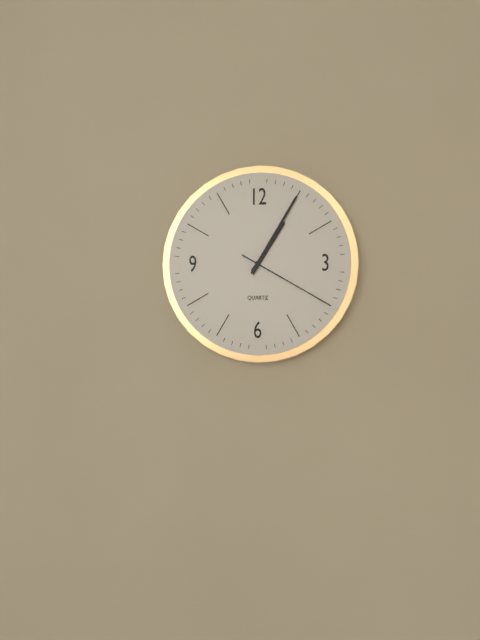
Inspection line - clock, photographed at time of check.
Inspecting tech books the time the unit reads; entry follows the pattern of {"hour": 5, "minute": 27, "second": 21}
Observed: {"hour": 1, "minute": 5, "second": 20}
